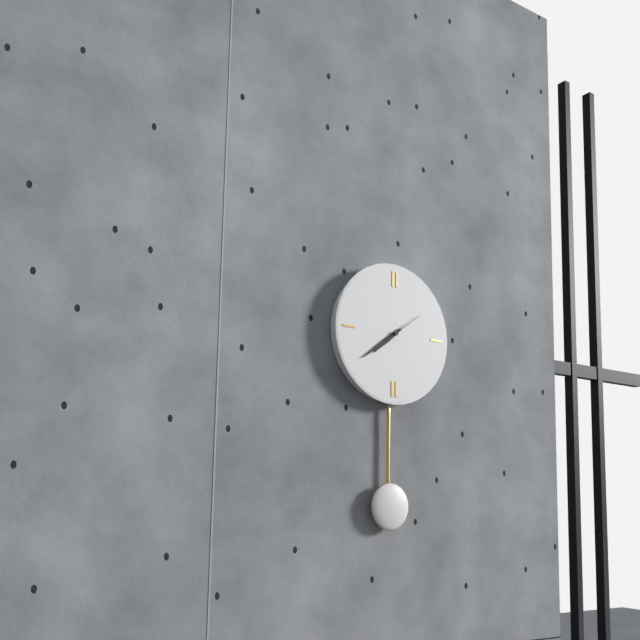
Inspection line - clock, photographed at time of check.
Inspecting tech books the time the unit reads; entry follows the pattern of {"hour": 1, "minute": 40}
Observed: {"hour": 7, "minute": 39}
